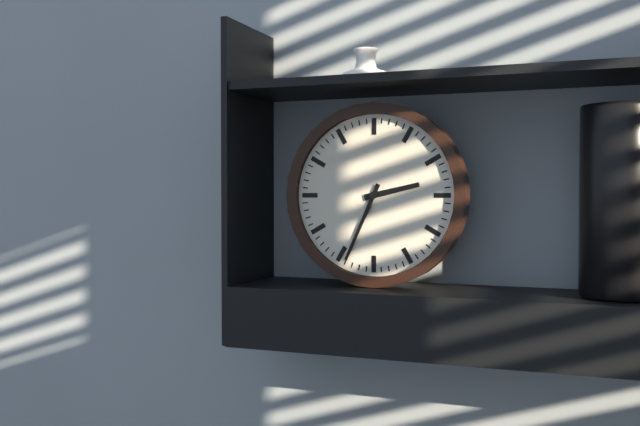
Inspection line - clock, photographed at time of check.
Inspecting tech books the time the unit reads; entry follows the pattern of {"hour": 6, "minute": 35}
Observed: {"hour": 2, "minute": 34}
